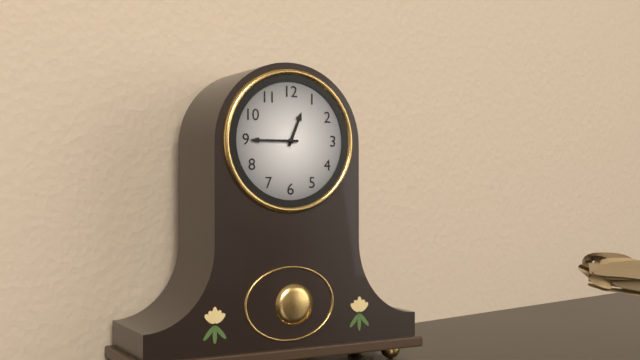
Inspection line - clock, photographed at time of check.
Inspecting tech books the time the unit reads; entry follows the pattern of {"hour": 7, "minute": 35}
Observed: {"hour": 12, "minute": 45}
